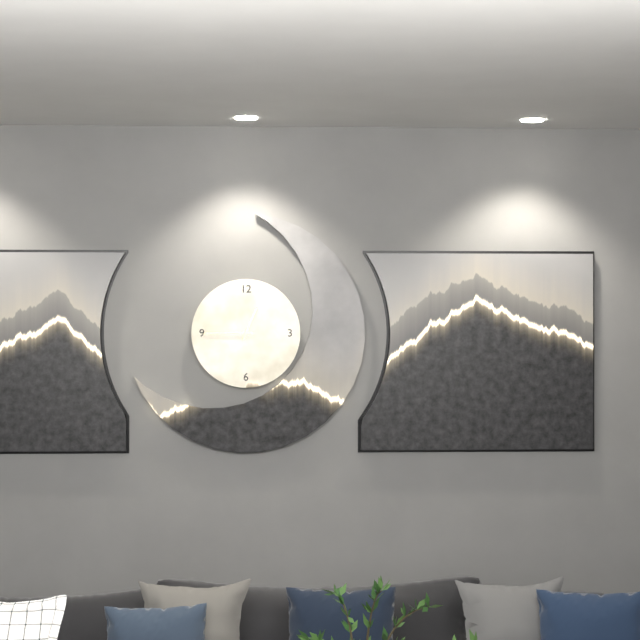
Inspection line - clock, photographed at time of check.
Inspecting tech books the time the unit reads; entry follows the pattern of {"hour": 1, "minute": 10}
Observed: {"hour": 12, "minute": 45}
